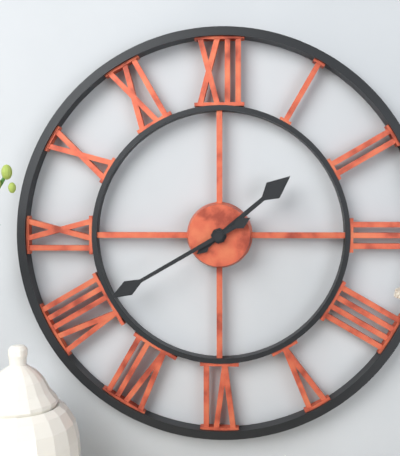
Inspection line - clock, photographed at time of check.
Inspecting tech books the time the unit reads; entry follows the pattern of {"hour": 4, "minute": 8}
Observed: {"hour": 1, "minute": 40}
